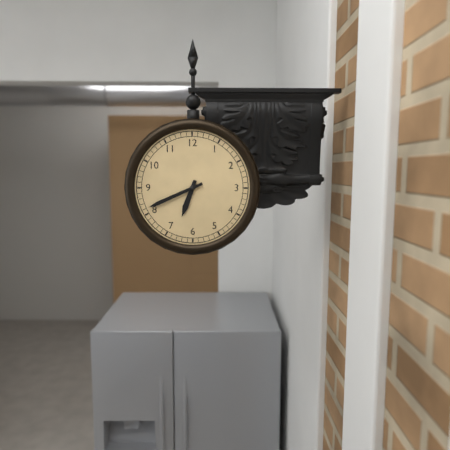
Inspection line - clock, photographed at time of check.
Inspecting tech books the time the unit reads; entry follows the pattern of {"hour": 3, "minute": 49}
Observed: {"hour": 6, "minute": 41}
